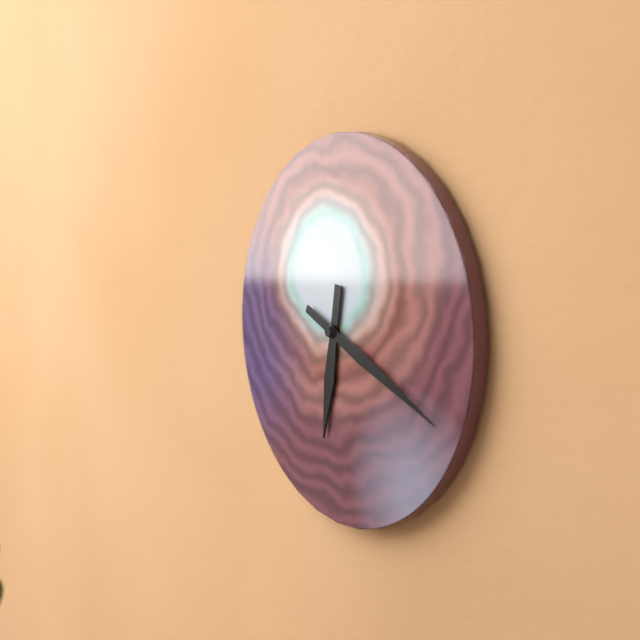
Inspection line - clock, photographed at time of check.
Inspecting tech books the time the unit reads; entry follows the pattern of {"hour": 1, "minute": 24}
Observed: {"hour": 6, "minute": 19}
